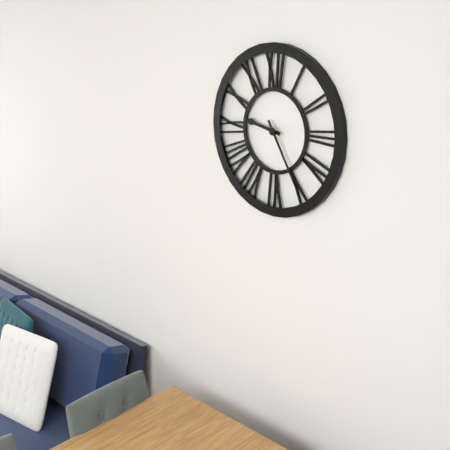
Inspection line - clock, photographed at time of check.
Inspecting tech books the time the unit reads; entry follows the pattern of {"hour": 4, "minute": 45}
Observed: {"hour": 9, "minute": 25}
